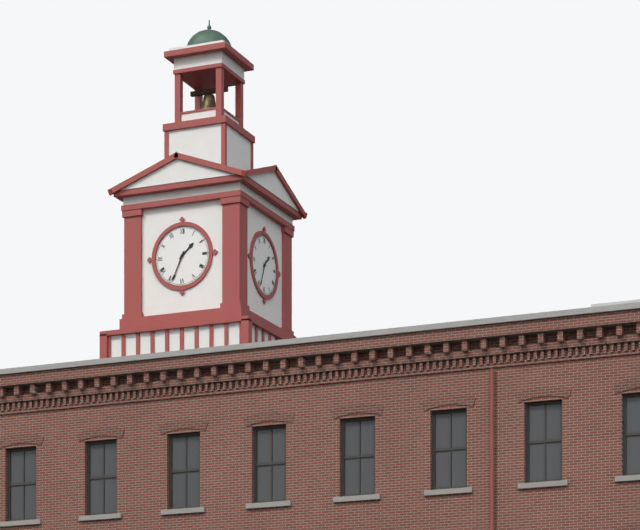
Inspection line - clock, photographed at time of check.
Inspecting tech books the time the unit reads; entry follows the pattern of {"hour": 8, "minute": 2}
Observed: {"hour": 1, "minute": 34}
